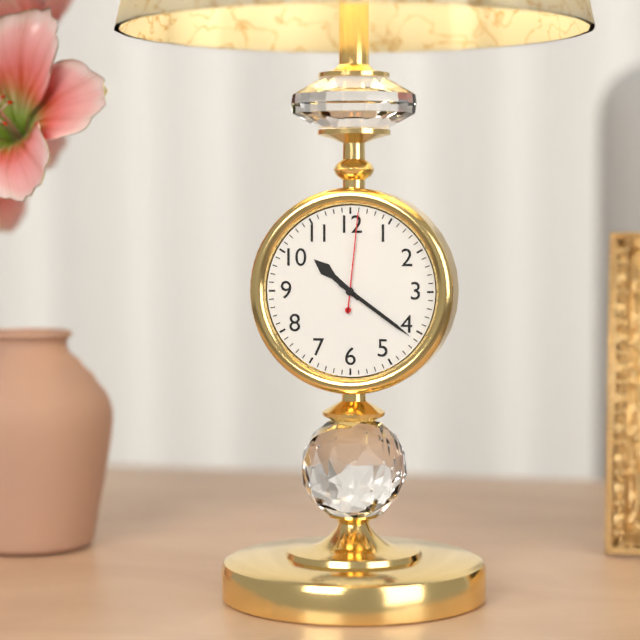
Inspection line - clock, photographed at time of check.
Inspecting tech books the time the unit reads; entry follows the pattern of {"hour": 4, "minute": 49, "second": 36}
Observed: {"hour": 10, "minute": 21, "second": 1}
